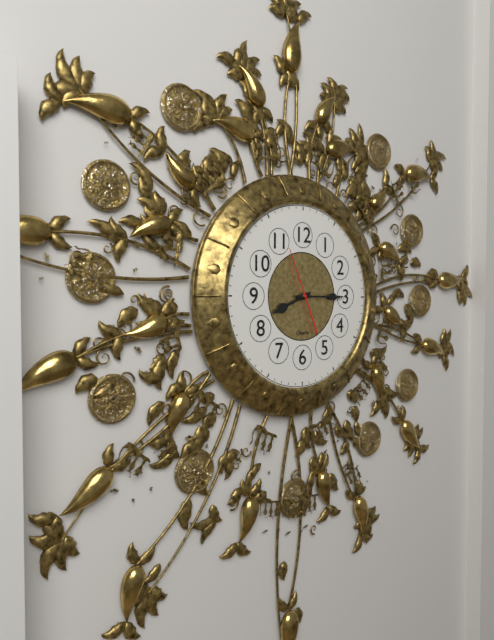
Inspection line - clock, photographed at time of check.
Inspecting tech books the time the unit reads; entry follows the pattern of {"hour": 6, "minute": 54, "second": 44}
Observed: {"hour": 8, "minute": 15, "second": 56}
